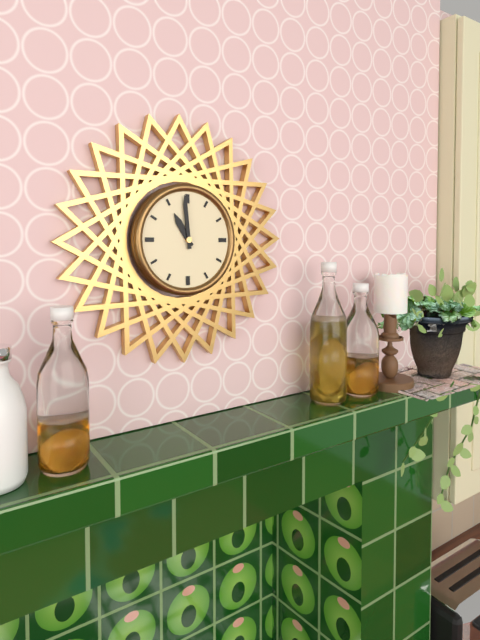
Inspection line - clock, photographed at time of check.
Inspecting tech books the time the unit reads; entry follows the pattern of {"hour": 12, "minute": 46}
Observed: {"hour": 10, "minute": 59}
